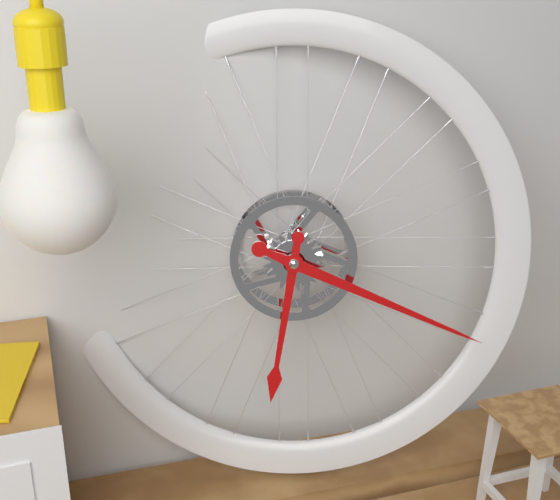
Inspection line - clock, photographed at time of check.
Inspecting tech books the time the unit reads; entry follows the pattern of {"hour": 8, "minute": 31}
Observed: {"hour": 6, "minute": 19}
